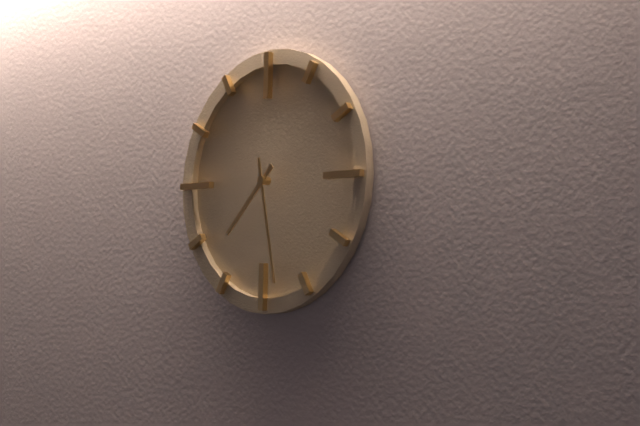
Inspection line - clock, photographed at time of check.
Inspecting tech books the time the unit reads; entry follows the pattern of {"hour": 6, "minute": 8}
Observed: {"hour": 7, "minute": 28}
